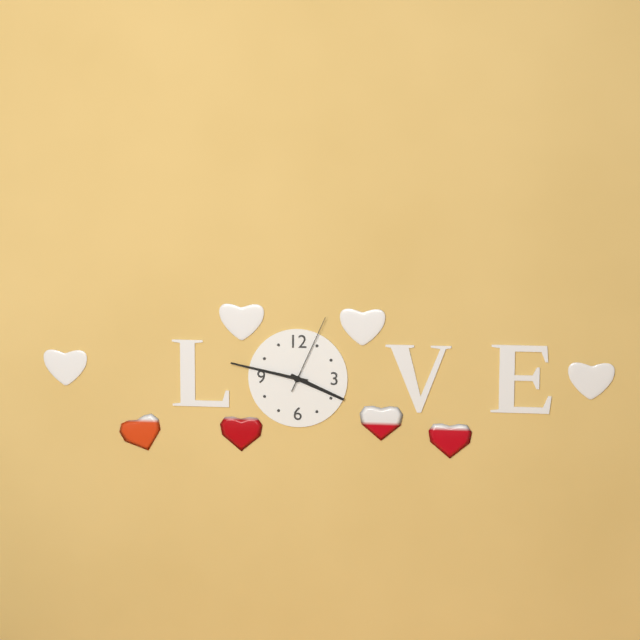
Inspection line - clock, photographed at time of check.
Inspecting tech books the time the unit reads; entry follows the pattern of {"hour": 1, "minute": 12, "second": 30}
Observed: {"hour": 3, "minute": 47, "second": 4}
